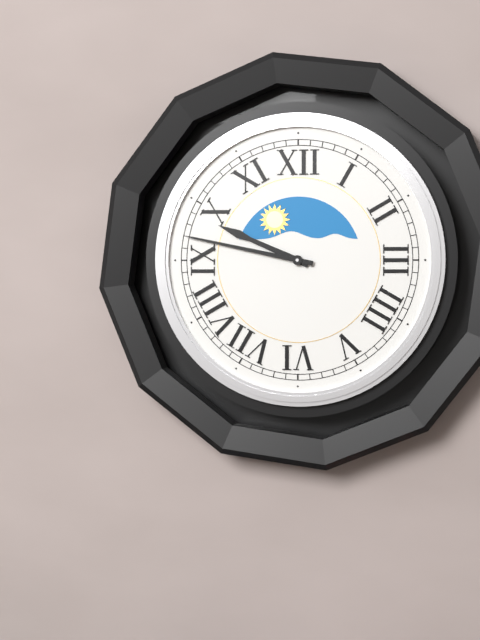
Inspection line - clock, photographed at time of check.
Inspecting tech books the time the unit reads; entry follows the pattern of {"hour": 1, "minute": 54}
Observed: {"hour": 9, "minute": 47}
